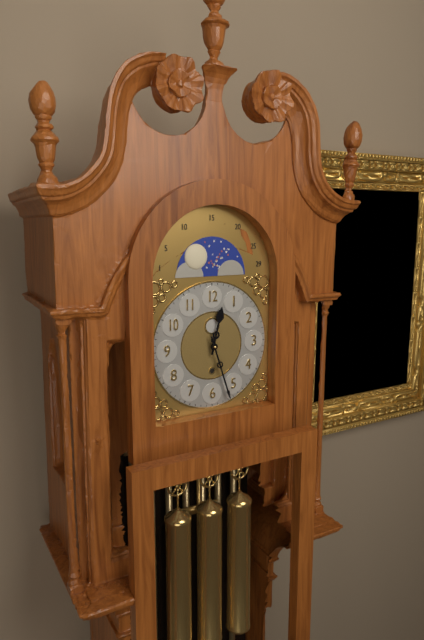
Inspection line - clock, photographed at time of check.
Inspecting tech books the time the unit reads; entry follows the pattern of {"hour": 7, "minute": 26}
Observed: {"hour": 12, "minute": 27}
